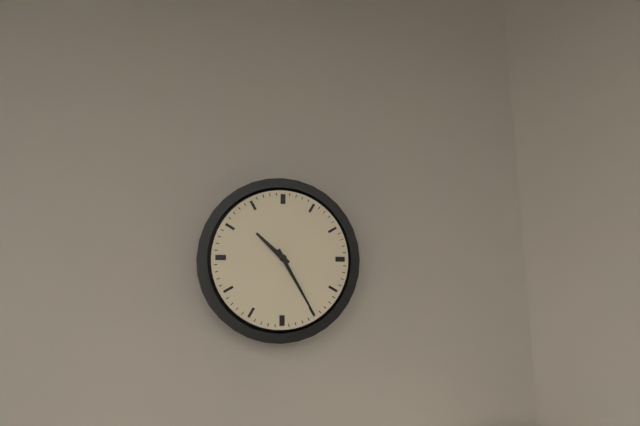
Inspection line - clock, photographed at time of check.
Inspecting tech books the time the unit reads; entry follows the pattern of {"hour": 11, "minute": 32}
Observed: {"hour": 10, "minute": 25}
